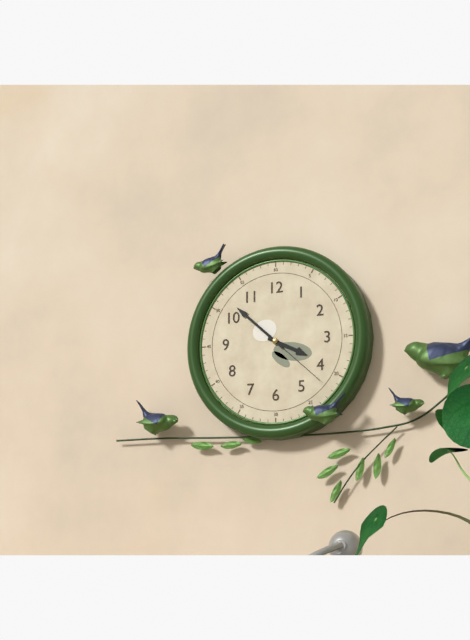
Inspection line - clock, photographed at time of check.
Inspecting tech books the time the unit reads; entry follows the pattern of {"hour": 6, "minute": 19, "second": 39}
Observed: {"hour": 3, "minute": 52, "second": 22}
